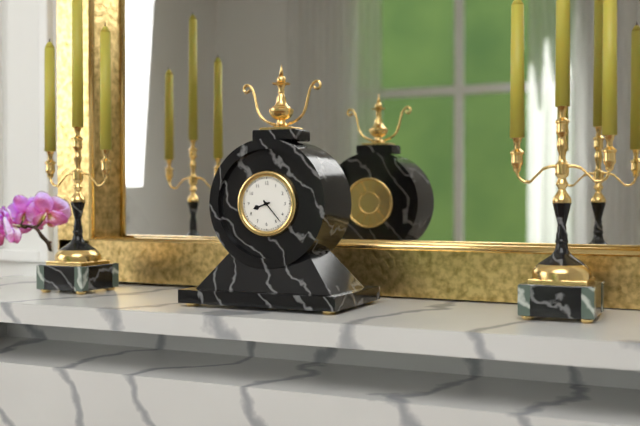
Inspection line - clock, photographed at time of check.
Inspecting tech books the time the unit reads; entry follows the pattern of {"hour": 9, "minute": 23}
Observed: {"hour": 8, "minute": 23}
